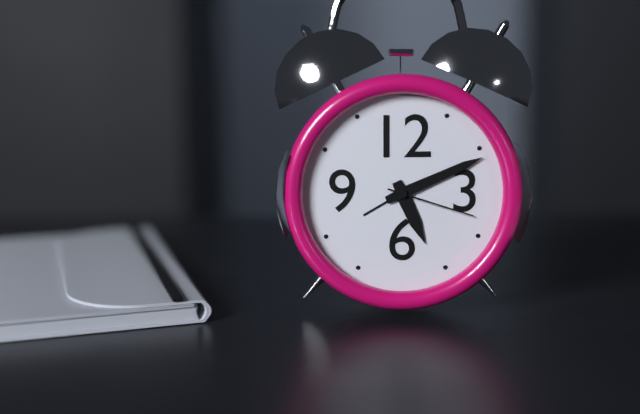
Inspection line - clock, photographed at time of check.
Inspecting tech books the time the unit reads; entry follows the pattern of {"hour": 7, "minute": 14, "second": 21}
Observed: {"hour": 5, "minute": 11, "second": 18}
